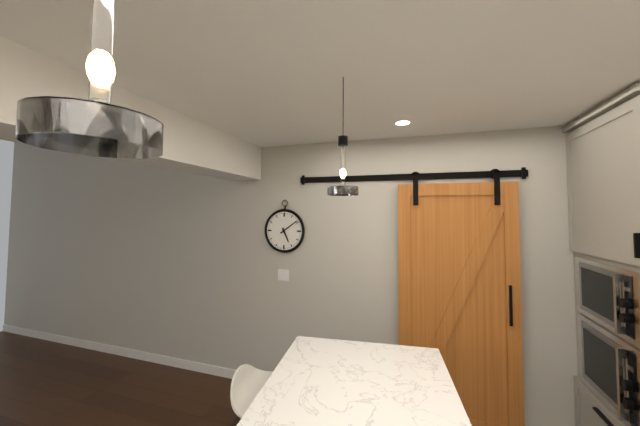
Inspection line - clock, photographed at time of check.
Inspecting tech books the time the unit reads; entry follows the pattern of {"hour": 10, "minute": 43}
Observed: {"hour": 5, "minute": 9}
